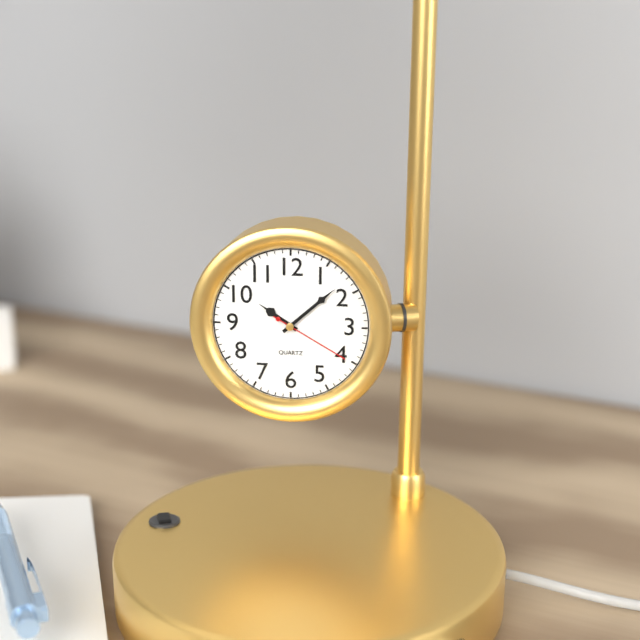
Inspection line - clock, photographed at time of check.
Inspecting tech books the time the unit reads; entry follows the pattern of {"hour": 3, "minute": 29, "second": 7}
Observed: {"hour": 10, "minute": 8, "second": 20}
